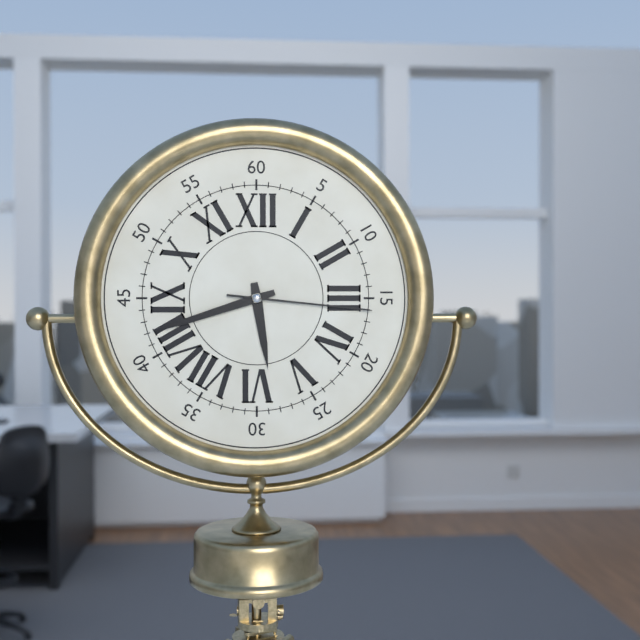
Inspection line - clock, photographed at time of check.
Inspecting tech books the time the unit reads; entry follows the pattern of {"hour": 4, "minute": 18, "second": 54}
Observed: {"hour": 5, "minute": 42, "second": 16}
